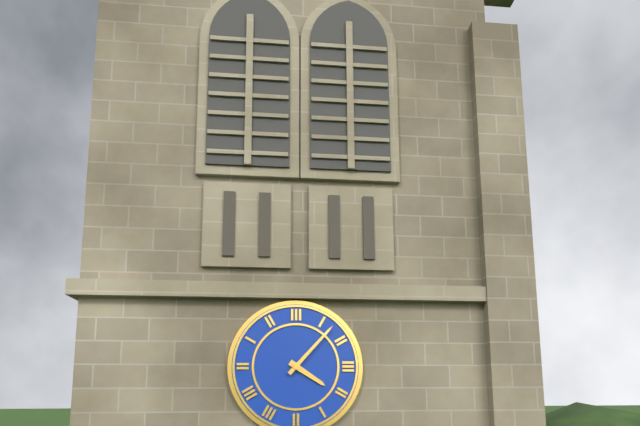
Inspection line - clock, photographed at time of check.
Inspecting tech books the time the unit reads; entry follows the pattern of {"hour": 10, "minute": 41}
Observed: {"hour": 4, "minute": 7}
